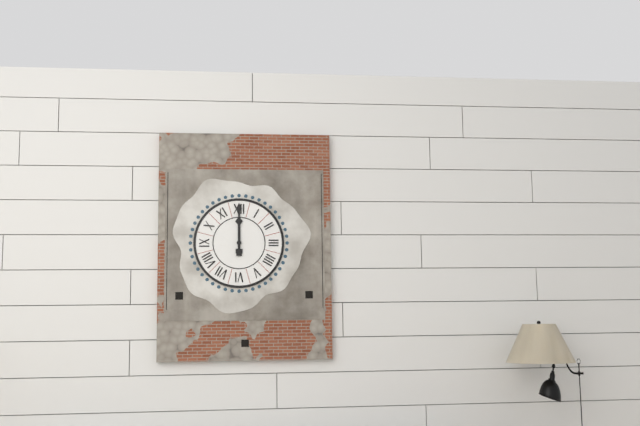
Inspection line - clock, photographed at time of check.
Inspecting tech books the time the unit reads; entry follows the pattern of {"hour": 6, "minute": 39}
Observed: {"hour": 12, "minute": 0}
